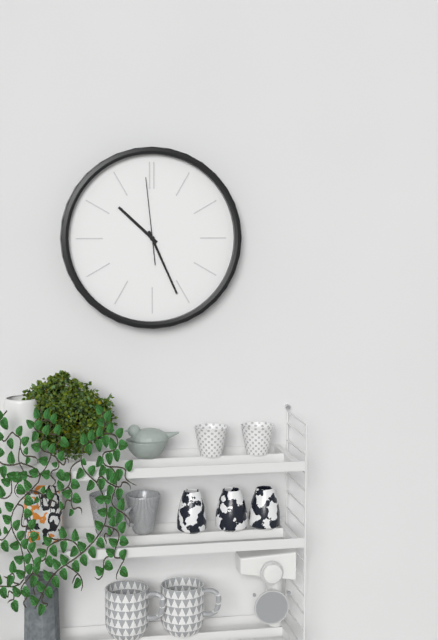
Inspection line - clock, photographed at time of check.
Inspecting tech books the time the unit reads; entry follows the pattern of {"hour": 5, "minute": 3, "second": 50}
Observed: {"hour": 10, "minute": 26, "second": 59}
